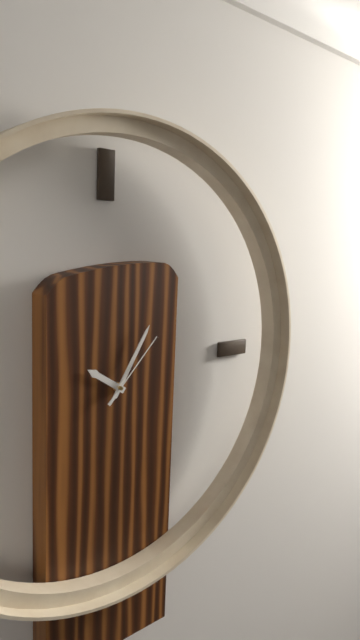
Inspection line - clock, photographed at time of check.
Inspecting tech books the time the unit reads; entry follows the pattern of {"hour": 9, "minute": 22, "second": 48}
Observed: {"hour": 10, "minute": 5, "second": 7}
